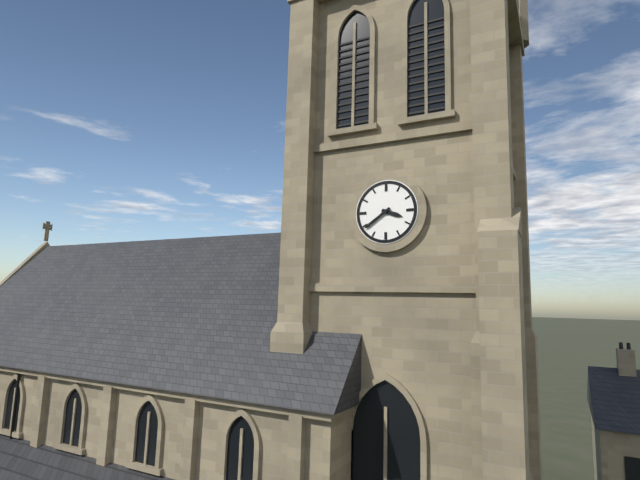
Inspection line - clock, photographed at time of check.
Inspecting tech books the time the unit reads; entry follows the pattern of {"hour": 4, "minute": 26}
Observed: {"hour": 3, "minute": 39}
